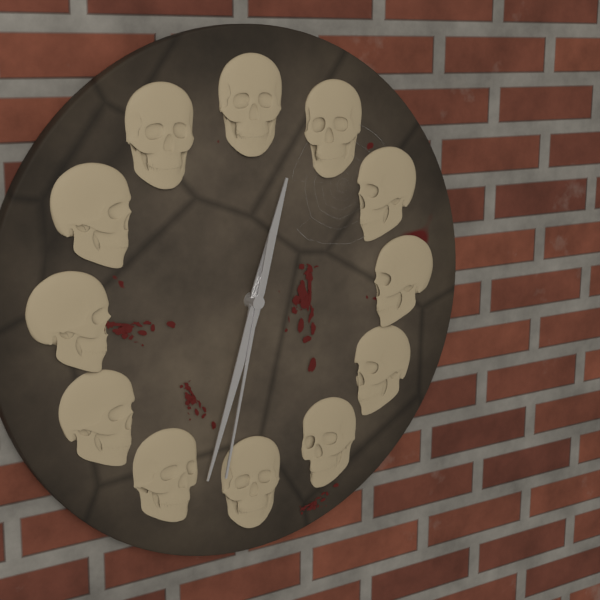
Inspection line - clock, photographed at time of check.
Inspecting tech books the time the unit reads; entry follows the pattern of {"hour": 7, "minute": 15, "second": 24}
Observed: {"hour": 12, "minute": 33, "second": 32}
